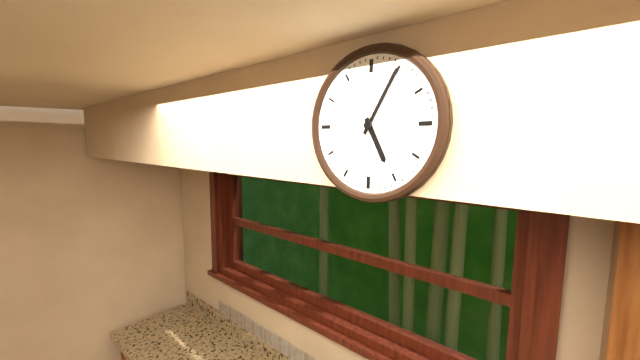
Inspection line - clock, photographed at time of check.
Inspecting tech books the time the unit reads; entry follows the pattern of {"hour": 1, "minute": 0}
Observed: {"hour": 5, "minute": 5}
